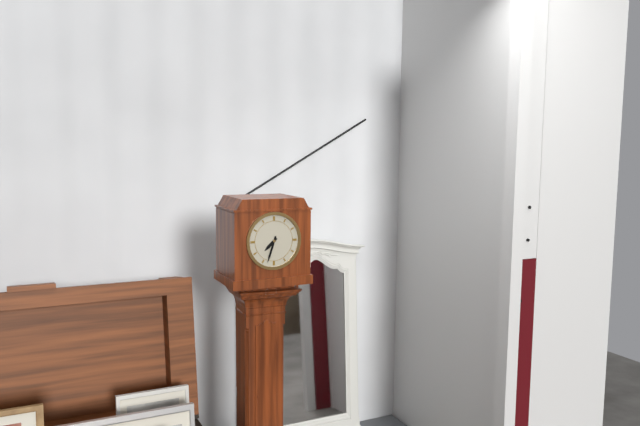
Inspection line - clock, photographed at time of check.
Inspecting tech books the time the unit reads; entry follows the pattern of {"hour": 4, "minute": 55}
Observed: {"hour": 7, "minute": 33}
